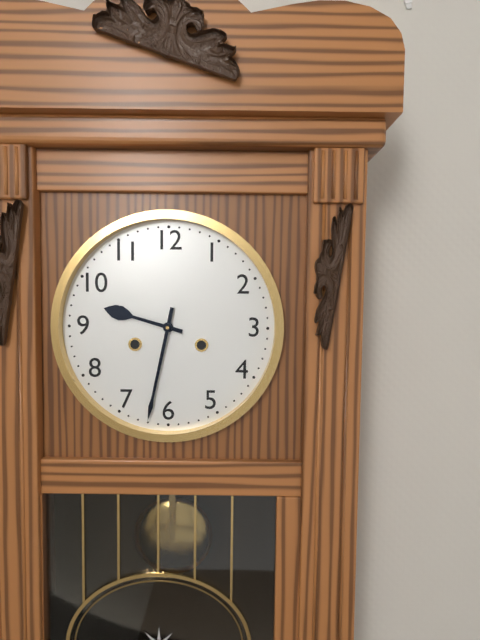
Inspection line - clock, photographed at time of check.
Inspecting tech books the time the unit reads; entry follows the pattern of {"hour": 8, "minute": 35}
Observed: {"hour": 9, "minute": 32}
